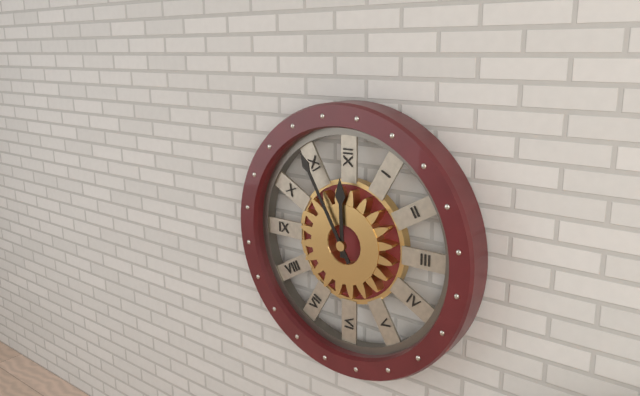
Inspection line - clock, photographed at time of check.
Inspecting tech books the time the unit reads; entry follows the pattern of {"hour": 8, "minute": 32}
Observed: {"hour": 11, "minute": 55}
